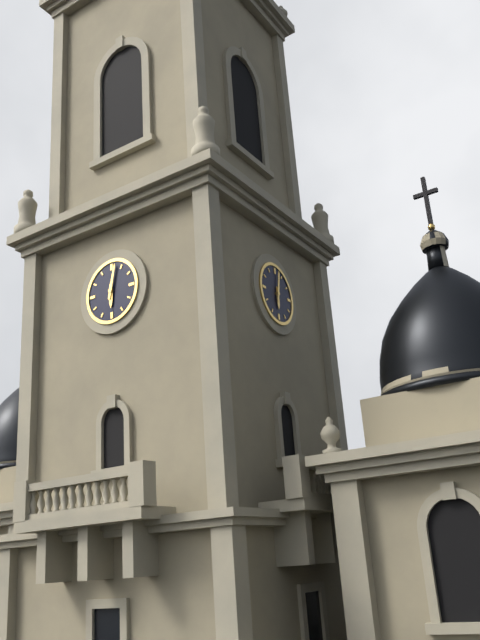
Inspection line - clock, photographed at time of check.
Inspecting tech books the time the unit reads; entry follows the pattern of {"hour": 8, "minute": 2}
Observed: {"hour": 6, "minute": 2}
